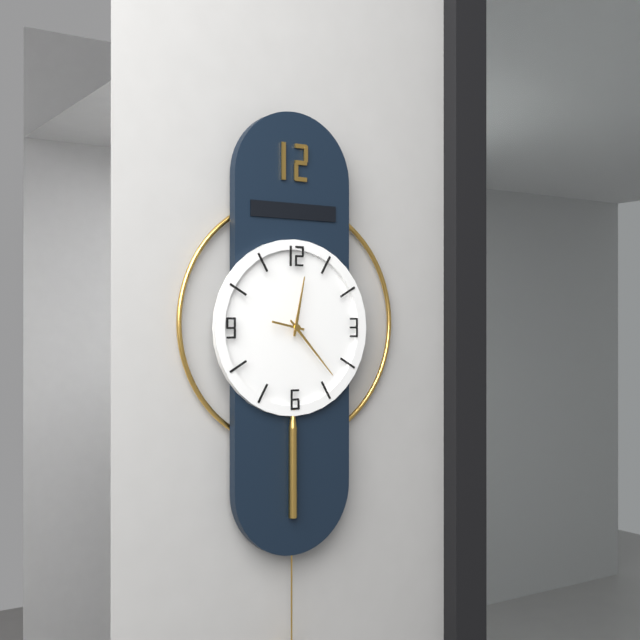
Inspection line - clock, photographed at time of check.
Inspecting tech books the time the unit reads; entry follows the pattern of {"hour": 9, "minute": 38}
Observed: {"hour": 12, "minute": 23}
